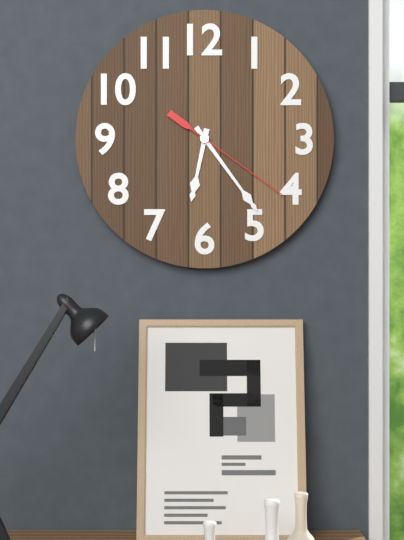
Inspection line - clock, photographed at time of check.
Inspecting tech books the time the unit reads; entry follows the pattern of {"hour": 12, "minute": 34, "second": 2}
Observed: {"hour": 6, "minute": 24, "second": 21}
